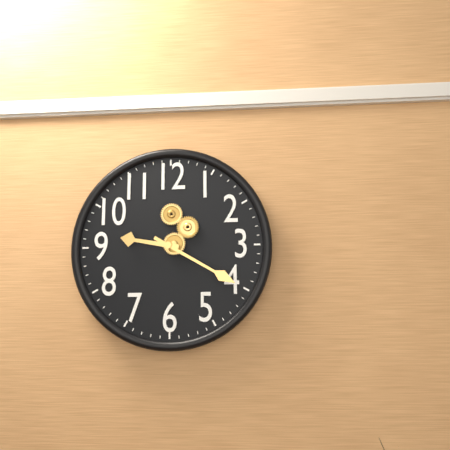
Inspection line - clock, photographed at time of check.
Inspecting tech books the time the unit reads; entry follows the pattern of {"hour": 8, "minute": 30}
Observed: {"hour": 9, "minute": 20}
